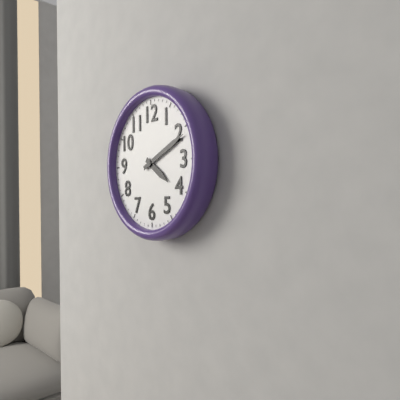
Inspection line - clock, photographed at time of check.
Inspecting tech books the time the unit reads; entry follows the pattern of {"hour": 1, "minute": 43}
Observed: {"hour": 4, "minute": 11}
